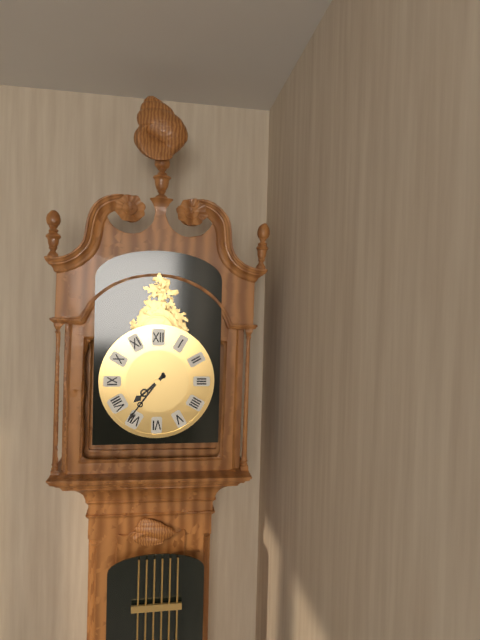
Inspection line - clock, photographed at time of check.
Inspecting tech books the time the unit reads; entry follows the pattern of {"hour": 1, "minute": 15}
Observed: {"hour": 7, "minute": 36}
